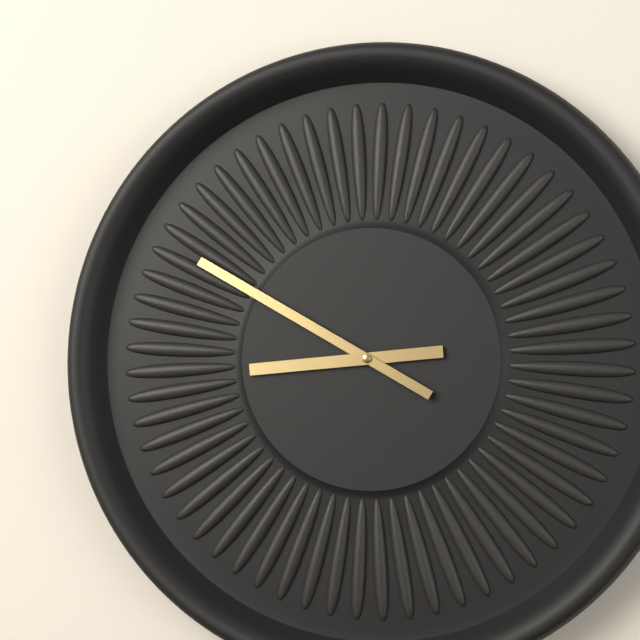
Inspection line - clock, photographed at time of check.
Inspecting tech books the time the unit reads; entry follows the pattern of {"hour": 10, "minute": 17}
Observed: {"hour": 8, "minute": 50}
